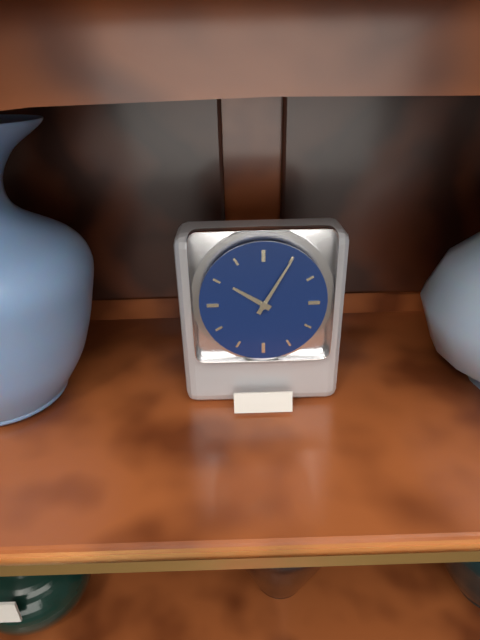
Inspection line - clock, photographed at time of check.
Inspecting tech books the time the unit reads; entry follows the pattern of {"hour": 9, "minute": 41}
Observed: {"hour": 10, "minute": 5}
